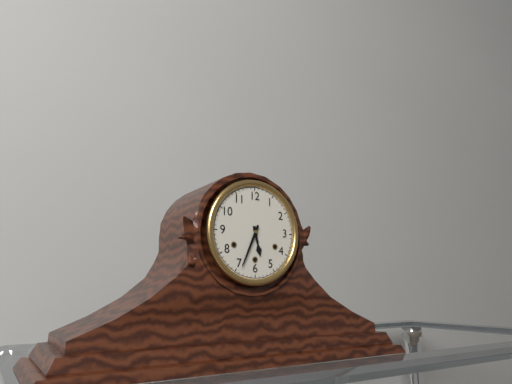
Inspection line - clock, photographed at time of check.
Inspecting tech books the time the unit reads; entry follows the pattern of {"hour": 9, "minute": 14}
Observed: {"hour": 5, "minute": 34}
